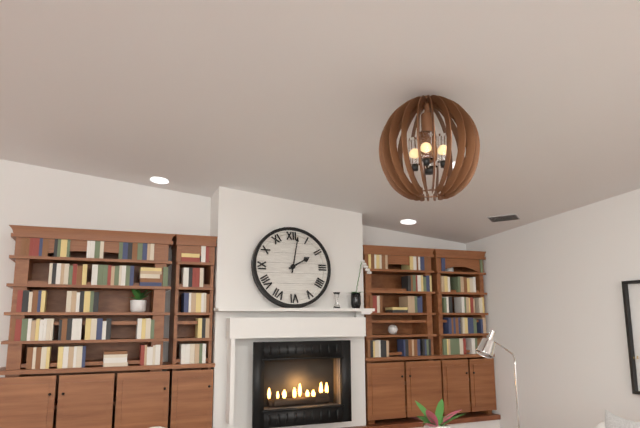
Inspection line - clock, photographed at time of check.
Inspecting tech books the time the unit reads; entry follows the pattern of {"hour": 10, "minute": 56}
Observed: {"hour": 2, "minute": 2}
